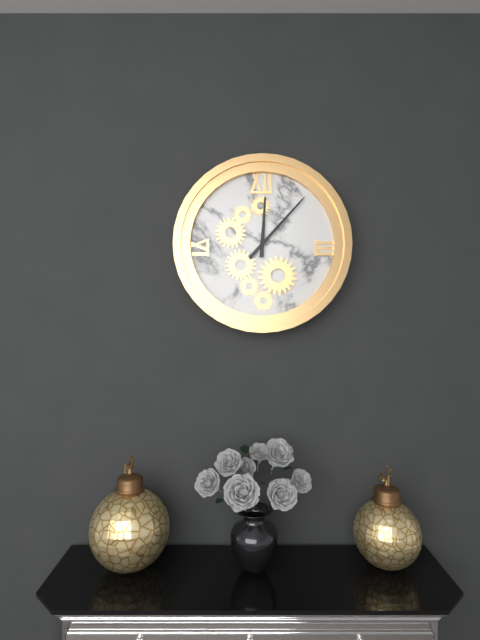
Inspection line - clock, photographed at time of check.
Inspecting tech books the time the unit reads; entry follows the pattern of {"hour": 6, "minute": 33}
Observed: {"hour": 12, "minute": 7}
